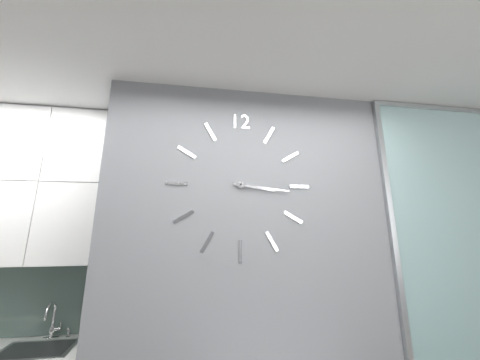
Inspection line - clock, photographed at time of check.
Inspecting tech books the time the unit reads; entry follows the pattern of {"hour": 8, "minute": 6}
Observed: {"hour": 3, "minute": 16}
